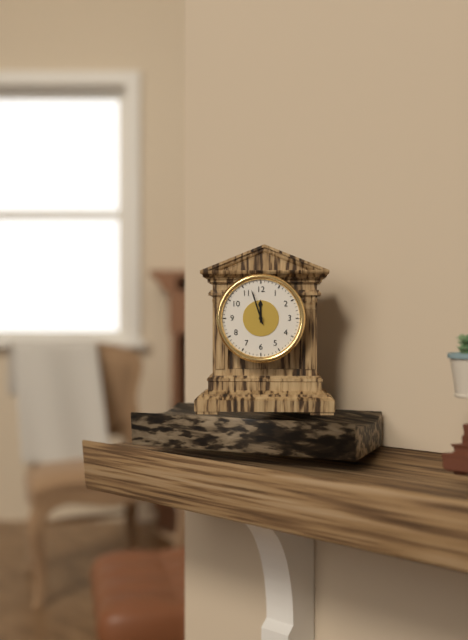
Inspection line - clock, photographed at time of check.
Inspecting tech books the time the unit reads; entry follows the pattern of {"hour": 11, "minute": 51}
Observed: {"hour": 11, "minute": 57}
